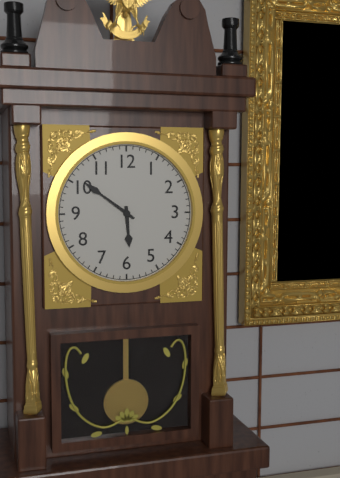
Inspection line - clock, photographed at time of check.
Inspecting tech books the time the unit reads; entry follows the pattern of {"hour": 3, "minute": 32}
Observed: {"hour": 5, "minute": 51}
